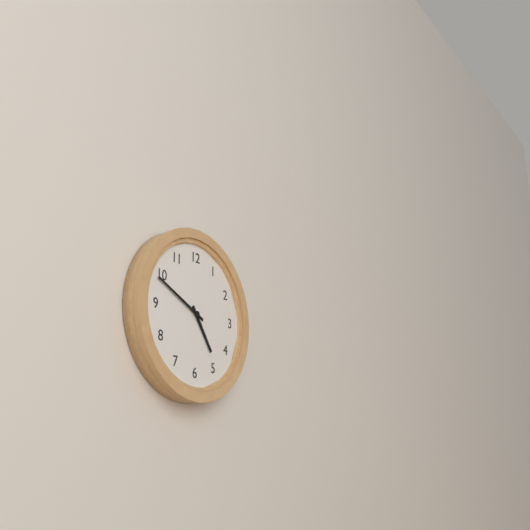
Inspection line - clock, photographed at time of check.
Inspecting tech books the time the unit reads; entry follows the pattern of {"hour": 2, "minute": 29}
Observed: {"hour": 4, "minute": 49}
